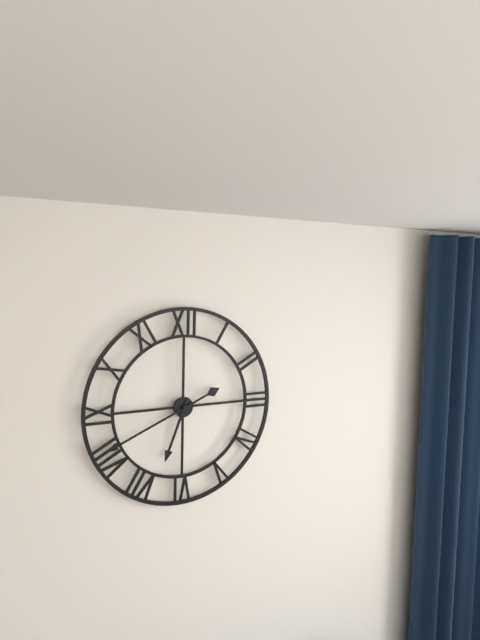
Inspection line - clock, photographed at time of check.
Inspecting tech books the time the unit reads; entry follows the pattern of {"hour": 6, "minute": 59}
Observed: {"hour": 6, "minute": 41}
